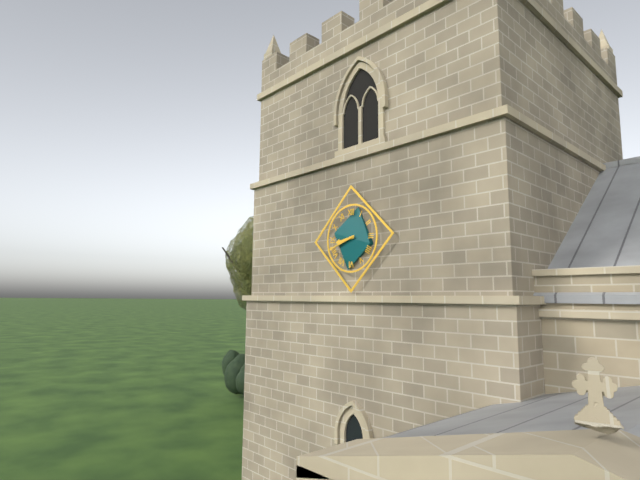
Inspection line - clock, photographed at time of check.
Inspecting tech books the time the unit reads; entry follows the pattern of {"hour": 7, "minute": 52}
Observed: {"hour": 8, "minute": 42}
